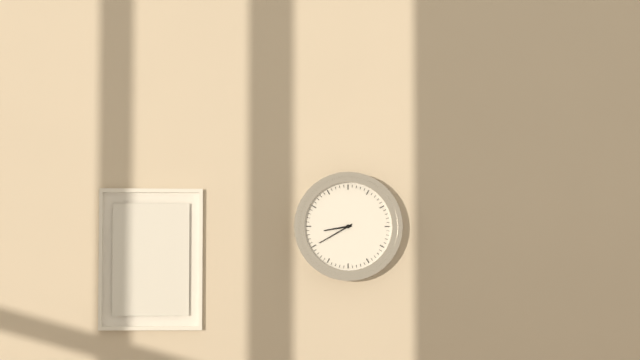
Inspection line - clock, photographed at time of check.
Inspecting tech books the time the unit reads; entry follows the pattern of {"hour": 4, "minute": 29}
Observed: {"hour": 8, "minute": 40}
